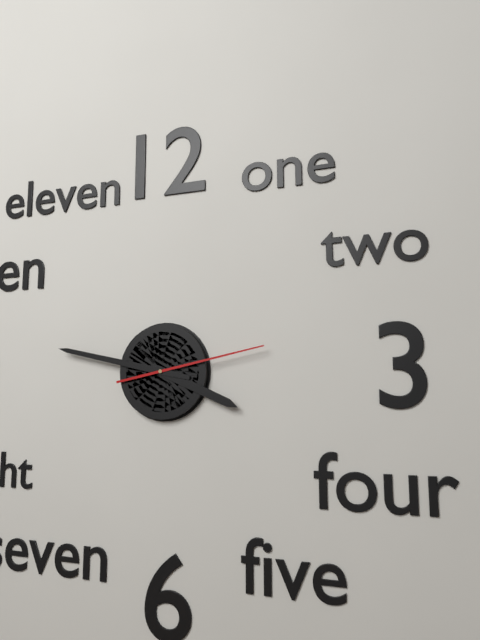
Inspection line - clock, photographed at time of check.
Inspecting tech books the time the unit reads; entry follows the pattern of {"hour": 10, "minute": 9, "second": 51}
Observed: {"hour": 3, "minute": 47, "second": 13}
